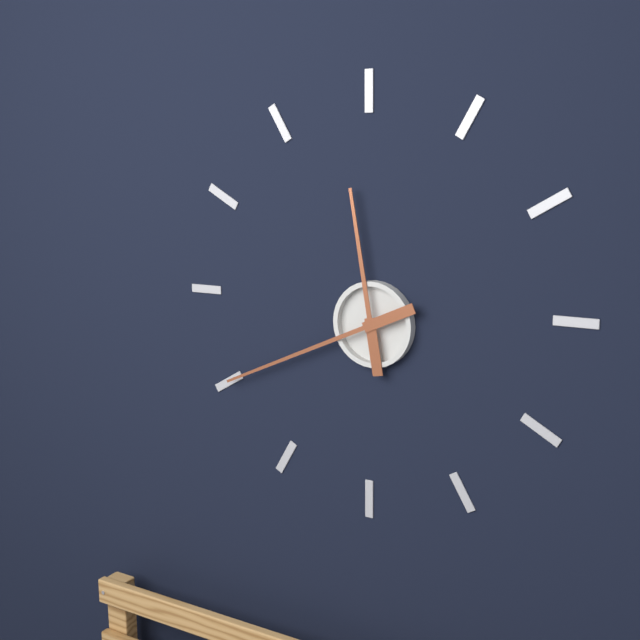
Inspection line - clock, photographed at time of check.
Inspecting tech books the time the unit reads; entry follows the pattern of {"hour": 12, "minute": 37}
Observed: {"hour": 11, "minute": 41}
